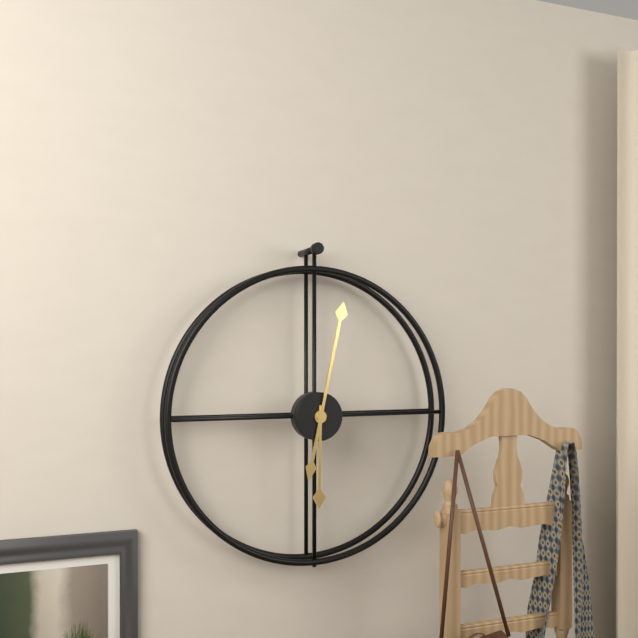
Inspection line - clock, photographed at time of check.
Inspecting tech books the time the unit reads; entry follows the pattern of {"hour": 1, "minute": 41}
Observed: {"hour": 6, "minute": 2}
